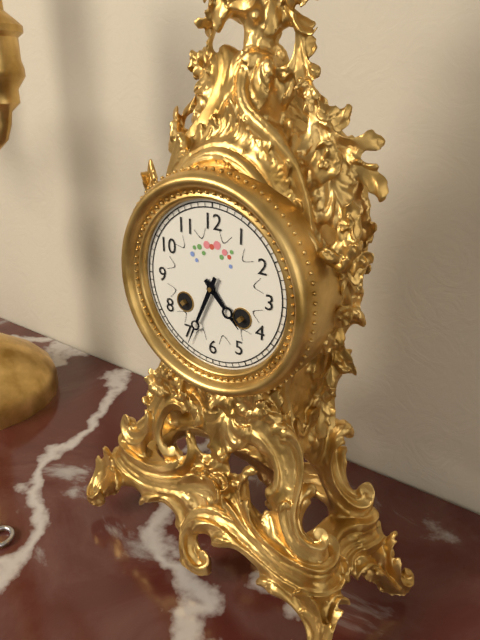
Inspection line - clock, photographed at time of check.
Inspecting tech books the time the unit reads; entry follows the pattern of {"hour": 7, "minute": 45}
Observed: {"hour": 4, "minute": 34}
